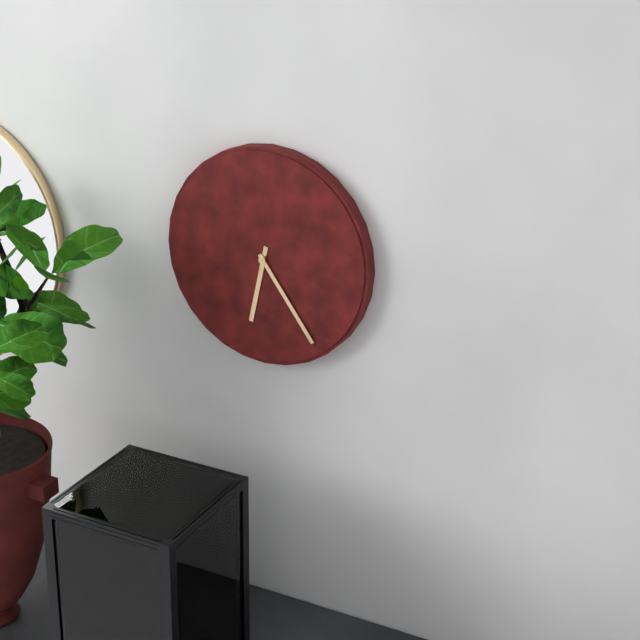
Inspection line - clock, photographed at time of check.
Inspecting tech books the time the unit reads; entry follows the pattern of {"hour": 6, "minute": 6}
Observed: {"hour": 6, "minute": 24}
